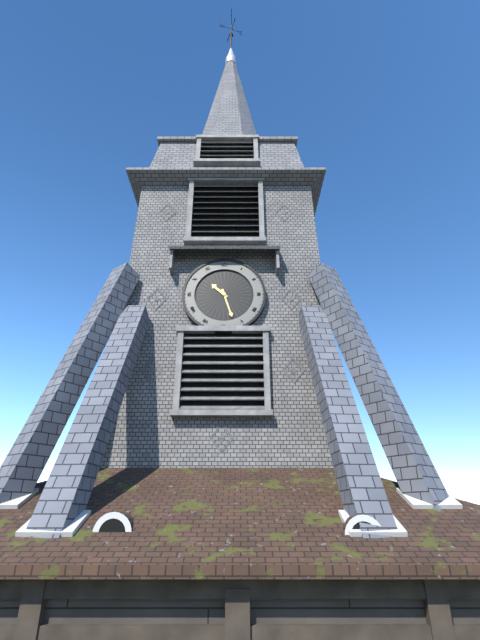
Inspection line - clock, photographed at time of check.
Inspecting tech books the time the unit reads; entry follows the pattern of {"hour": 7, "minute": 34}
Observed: {"hour": 10, "minute": 27}
